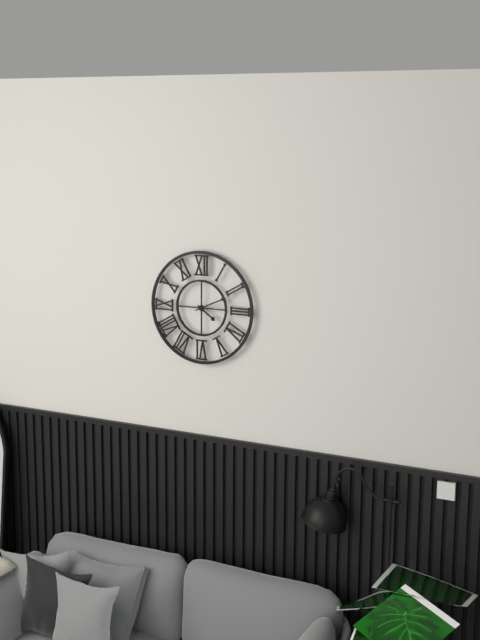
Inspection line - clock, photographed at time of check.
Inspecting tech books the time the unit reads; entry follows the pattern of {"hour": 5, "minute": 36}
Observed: {"hour": 4, "minute": 11}
